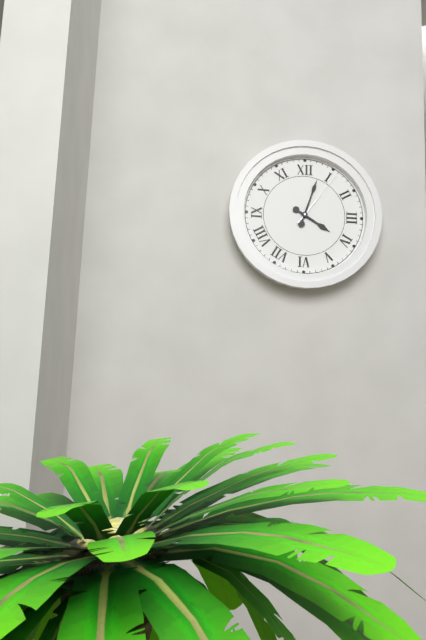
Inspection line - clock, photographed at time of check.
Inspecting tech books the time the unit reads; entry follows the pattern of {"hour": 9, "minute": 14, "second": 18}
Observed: {"hour": 4, "minute": 3, "second": 6}
